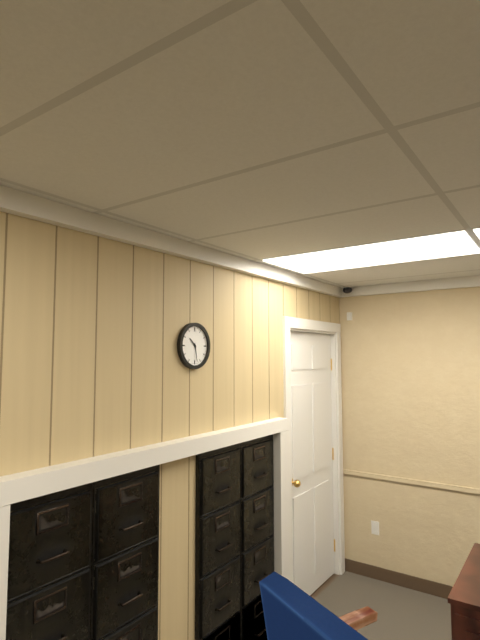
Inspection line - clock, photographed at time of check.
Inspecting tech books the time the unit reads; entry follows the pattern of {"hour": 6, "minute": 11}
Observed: {"hour": 10, "minute": 28}
